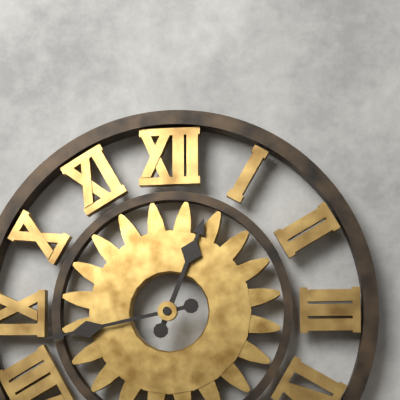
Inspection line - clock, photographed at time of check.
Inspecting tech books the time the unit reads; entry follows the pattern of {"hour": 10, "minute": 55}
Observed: {"hour": 12, "minute": 43}
